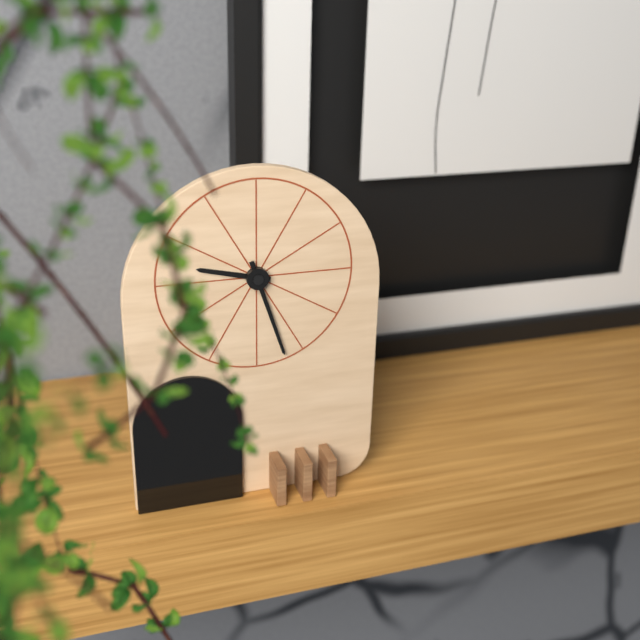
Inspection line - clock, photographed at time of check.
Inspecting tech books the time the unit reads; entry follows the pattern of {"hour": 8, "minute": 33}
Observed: {"hour": 9, "minute": 27}
